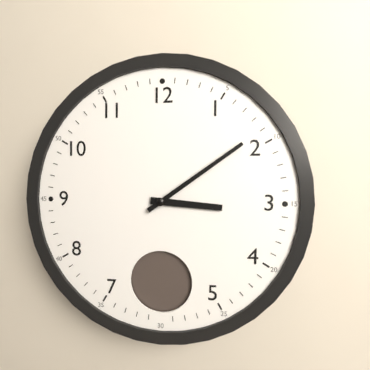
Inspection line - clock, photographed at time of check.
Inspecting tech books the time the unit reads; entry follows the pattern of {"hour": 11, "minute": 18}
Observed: {"hour": 3, "minute": 9}
